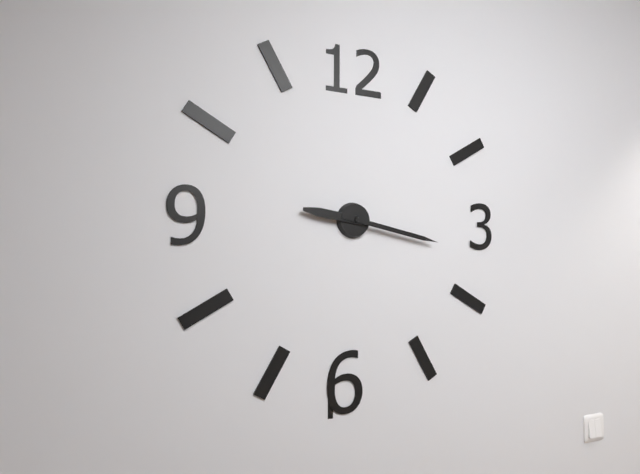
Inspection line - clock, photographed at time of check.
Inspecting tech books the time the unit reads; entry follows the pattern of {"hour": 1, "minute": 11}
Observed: {"hour": 9, "minute": 17}
